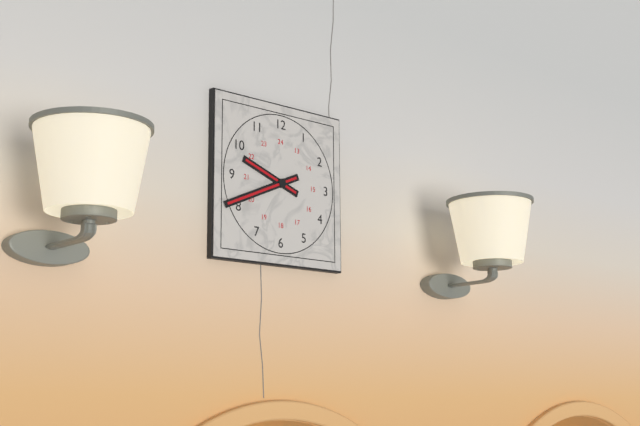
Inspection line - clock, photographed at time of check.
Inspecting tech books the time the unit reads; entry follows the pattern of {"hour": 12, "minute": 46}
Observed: {"hour": 9, "minute": 41}
